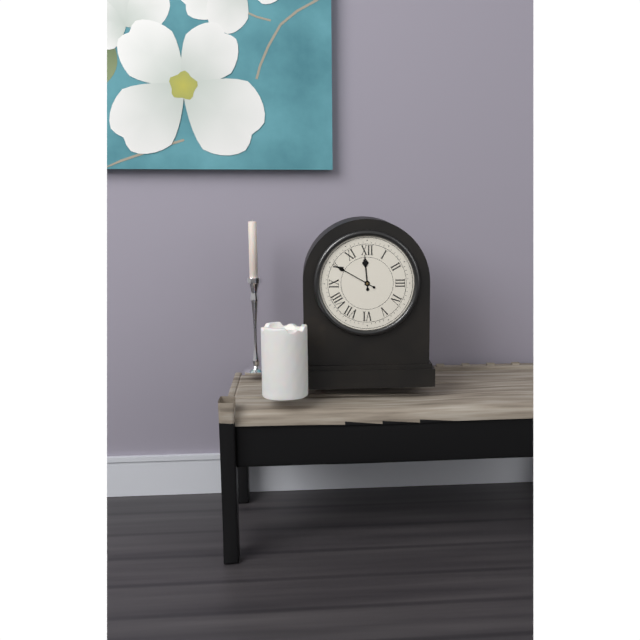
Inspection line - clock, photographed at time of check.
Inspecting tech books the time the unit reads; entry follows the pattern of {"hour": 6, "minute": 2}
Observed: {"hour": 11, "minute": 50}
